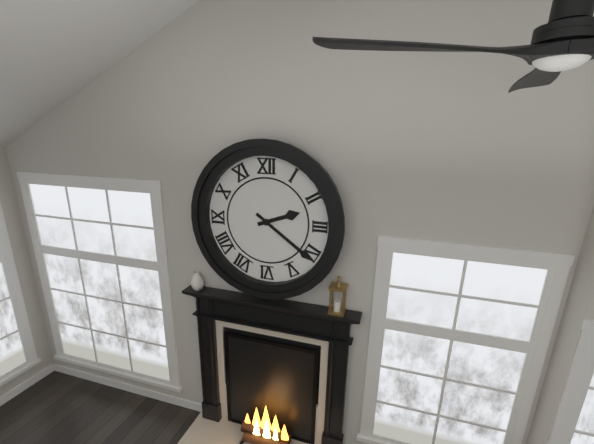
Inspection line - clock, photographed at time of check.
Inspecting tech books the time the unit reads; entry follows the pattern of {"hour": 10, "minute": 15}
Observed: {"hour": 2, "minute": 21}
